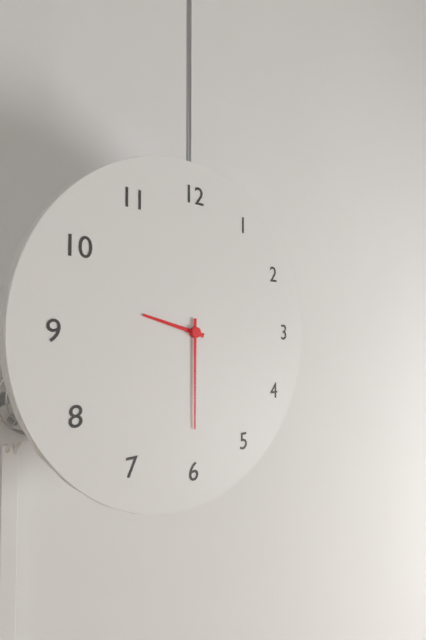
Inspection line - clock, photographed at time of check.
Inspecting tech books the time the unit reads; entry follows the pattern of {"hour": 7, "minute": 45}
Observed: {"hour": 9, "minute": 30}
